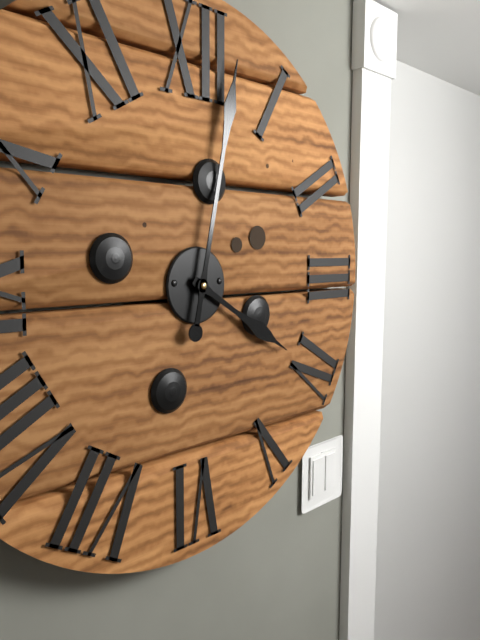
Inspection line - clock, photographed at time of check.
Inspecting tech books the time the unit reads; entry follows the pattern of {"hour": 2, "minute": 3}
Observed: {"hour": 4, "minute": 2}
